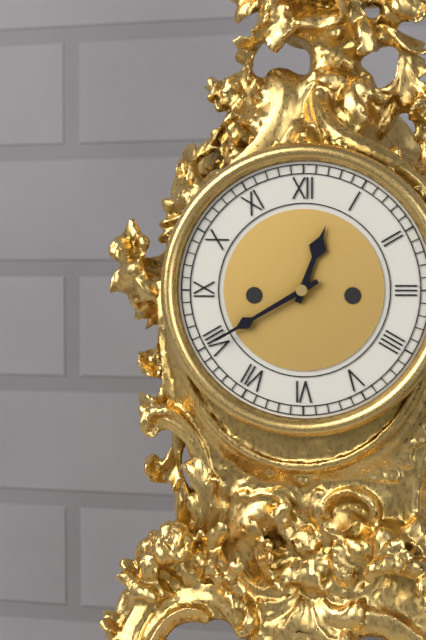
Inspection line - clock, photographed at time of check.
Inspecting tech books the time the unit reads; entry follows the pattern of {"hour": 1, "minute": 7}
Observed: {"hour": 12, "minute": 40}
